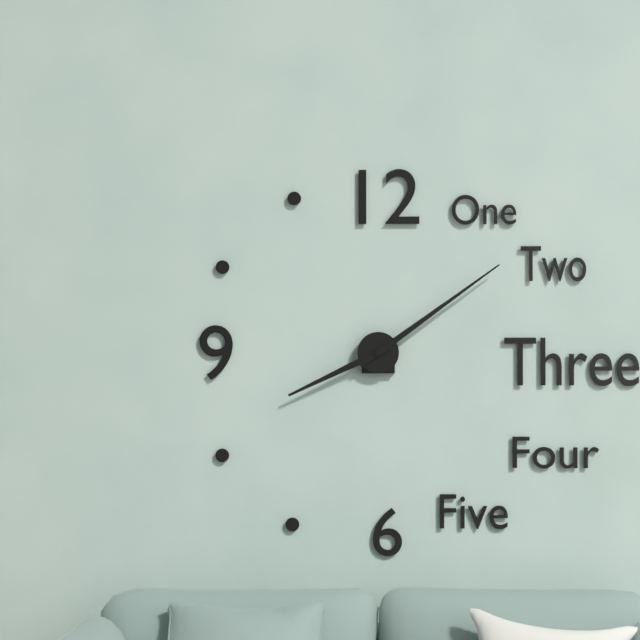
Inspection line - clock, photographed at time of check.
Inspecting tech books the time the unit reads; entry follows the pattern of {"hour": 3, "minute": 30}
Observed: {"hour": 8, "minute": 9}
